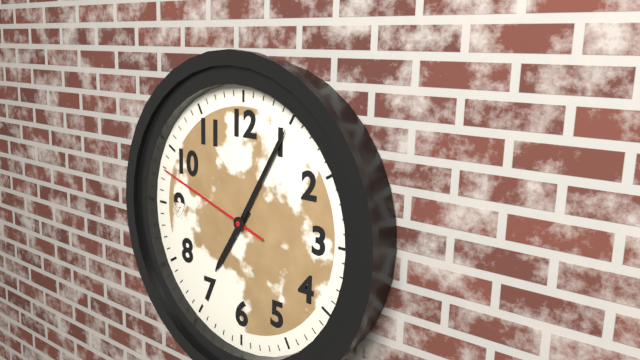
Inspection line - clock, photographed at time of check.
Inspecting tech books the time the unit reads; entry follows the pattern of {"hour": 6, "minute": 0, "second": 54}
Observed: {"hour": 7, "minute": 5, "second": 48}
